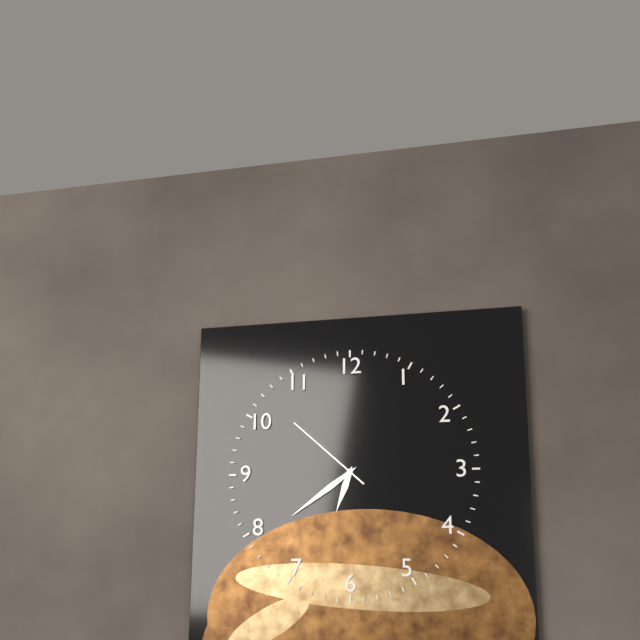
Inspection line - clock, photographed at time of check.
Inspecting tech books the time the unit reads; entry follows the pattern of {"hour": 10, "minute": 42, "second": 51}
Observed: {"hour": 6, "minute": 39, "second": 52}
